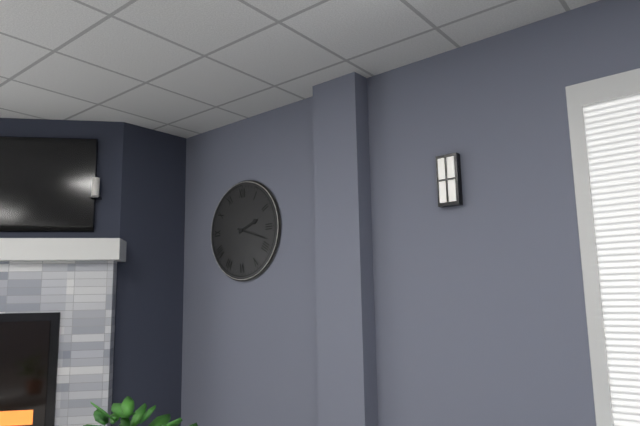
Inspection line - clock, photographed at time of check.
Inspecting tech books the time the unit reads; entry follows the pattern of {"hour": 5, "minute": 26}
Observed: {"hour": 2, "minute": 18}
